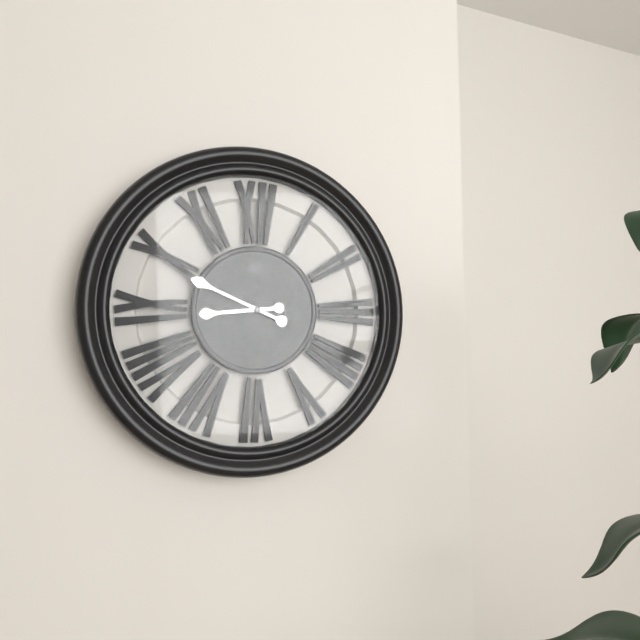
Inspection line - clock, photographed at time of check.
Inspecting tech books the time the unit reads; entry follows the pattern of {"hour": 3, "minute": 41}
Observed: {"hour": 8, "minute": 49}
